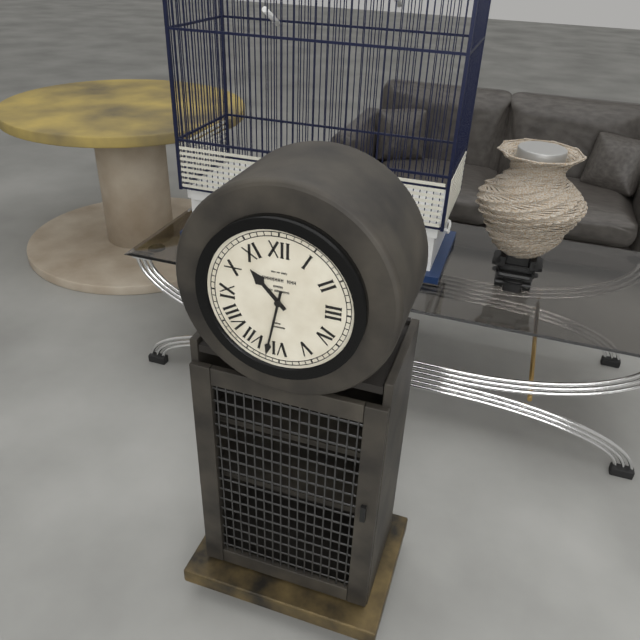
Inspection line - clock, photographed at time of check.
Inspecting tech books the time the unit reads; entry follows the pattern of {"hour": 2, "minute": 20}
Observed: {"hour": 10, "minute": 32}
